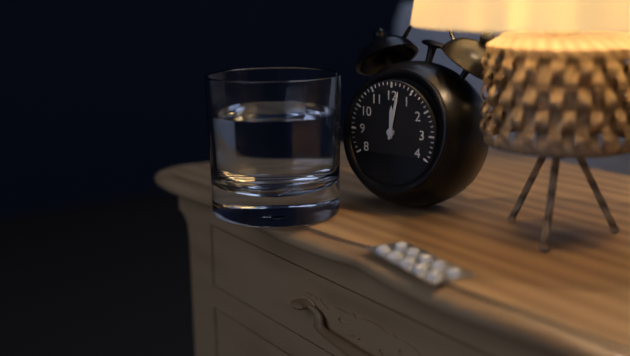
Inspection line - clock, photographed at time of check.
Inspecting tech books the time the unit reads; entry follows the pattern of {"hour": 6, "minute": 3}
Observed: {"hour": 12, "minute": 2}
